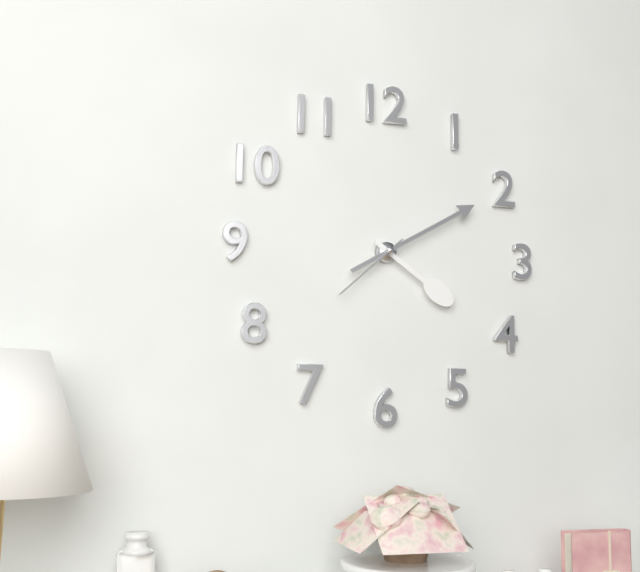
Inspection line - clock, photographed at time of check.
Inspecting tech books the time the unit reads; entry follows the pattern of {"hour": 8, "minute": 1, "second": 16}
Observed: {"hour": 4, "minute": 10, "second": 38}
